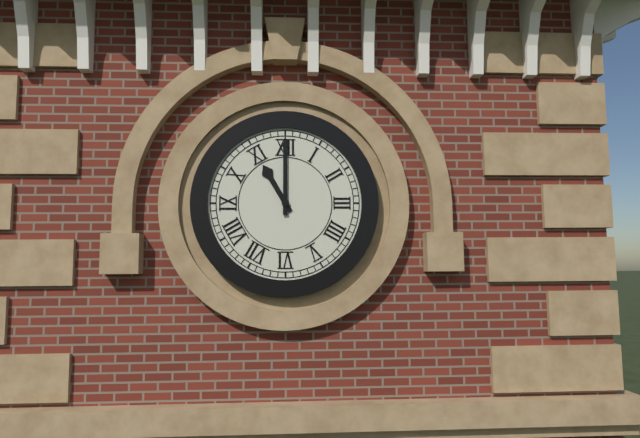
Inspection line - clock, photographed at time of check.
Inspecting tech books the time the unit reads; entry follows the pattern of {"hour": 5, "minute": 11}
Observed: {"hour": 11, "minute": 0}
